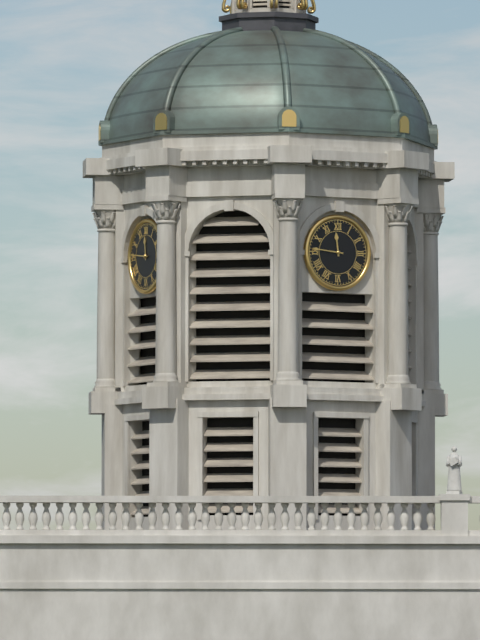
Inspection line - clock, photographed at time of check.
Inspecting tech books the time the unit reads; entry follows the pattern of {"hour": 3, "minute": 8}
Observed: {"hour": 11, "minute": 46}
